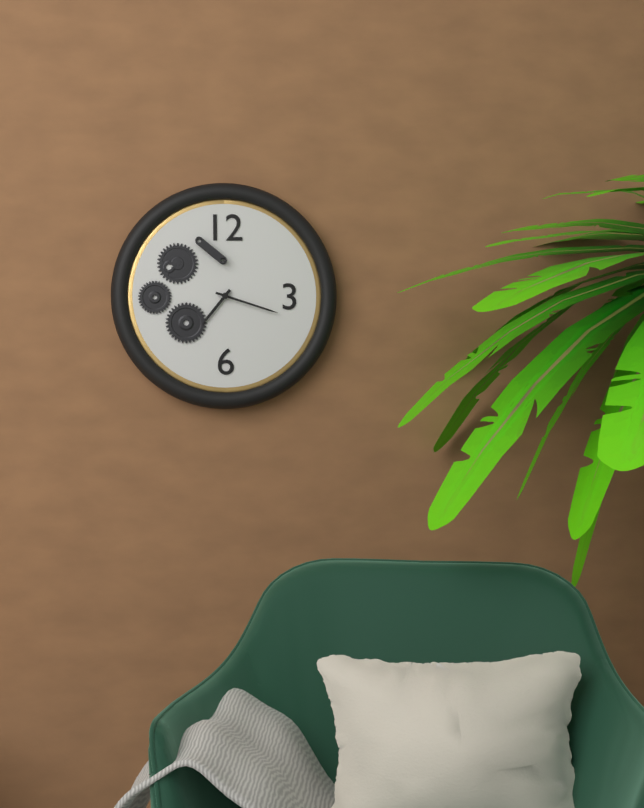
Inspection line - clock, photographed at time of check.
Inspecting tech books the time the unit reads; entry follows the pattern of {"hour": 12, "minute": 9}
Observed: {"hour": 7, "minute": 18}
